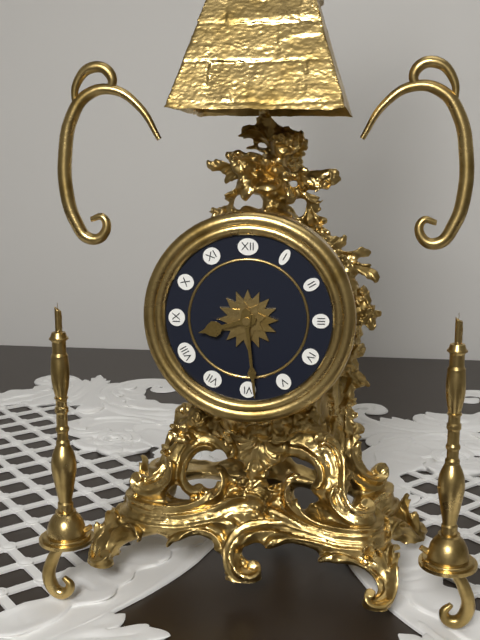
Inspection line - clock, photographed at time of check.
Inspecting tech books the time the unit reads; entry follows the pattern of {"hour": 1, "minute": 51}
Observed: {"hour": 8, "minute": 29}
